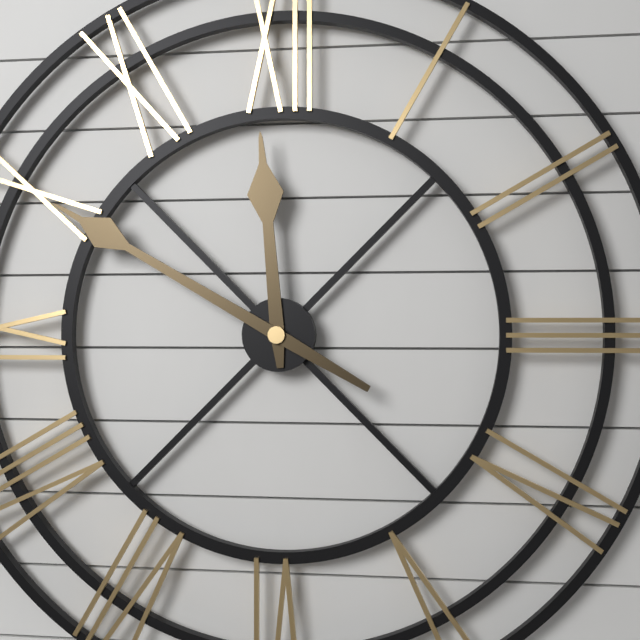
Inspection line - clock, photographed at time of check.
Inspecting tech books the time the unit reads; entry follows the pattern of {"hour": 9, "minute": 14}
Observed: {"hour": 11, "minute": 50}
